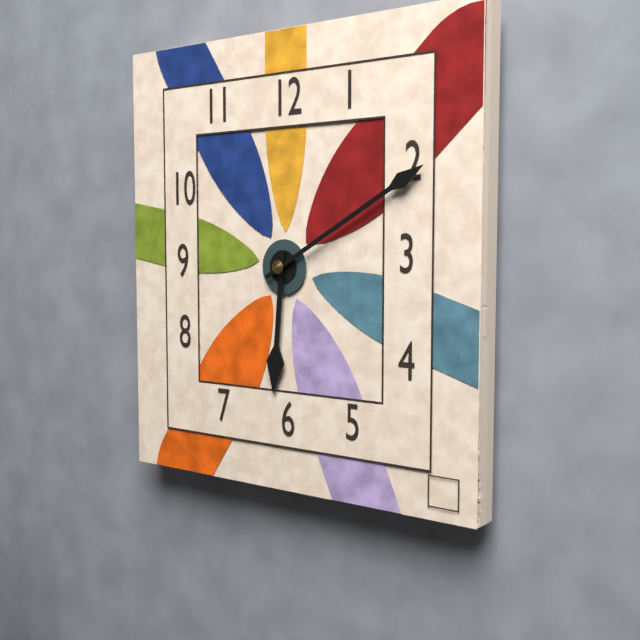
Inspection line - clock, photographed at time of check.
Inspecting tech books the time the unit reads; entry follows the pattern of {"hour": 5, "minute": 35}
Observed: {"hour": 6, "minute": 10}
